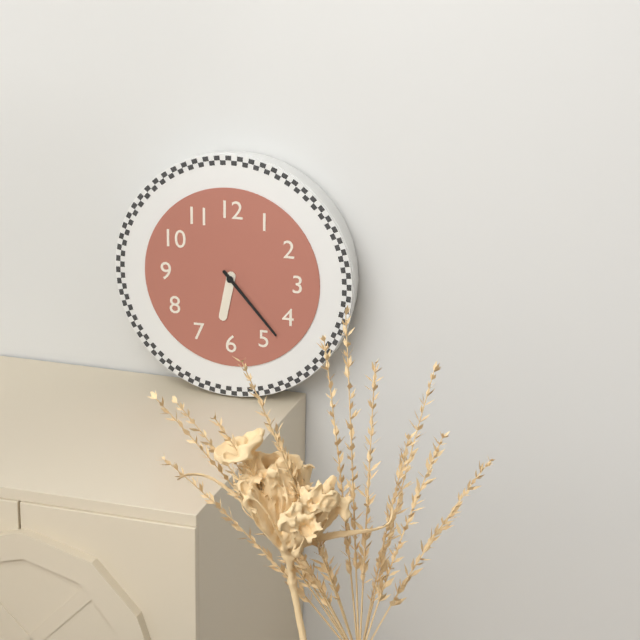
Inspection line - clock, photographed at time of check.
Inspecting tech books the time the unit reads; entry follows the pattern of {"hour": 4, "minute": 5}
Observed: {"hour": 6, "minute": 23}
